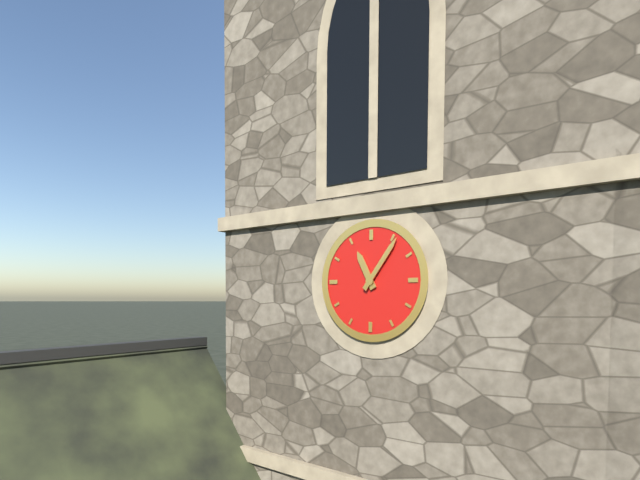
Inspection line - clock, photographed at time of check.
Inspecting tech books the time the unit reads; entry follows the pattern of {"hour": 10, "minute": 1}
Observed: {"hour": 11, "minute": 6}
